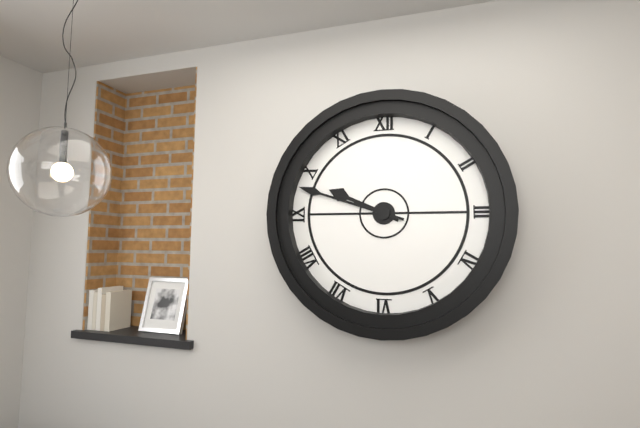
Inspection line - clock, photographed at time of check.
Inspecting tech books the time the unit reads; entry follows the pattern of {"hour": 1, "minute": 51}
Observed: {"hour": 9, "minute": 48}
